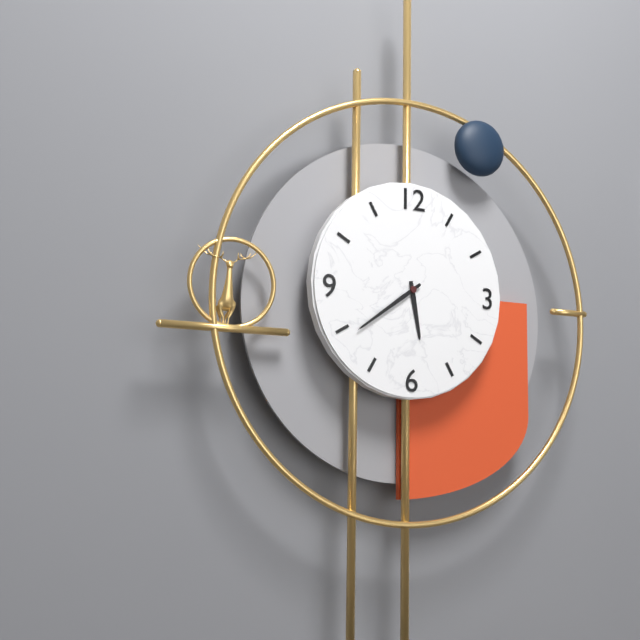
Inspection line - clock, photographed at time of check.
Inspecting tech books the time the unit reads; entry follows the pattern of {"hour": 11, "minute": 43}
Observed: {"hour": 5, "minute": 39}
